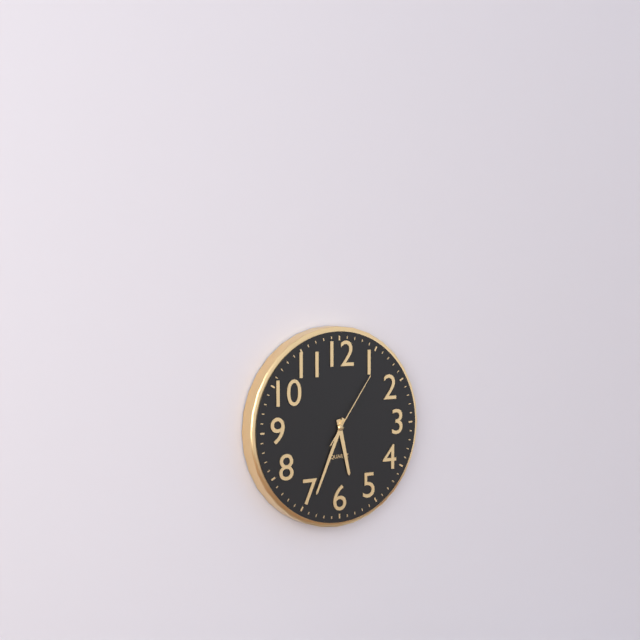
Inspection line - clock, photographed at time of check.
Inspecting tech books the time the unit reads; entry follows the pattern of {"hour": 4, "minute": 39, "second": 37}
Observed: {"hour": 5, "minute": 34, "second": 6}
